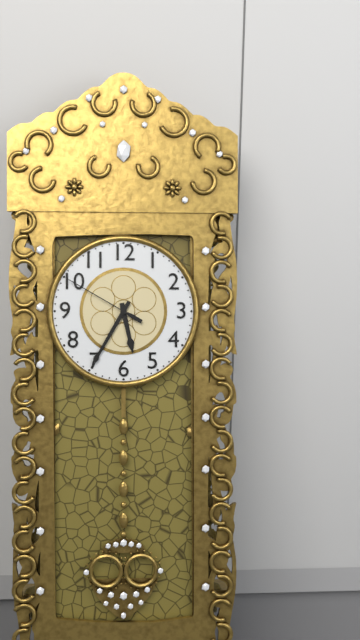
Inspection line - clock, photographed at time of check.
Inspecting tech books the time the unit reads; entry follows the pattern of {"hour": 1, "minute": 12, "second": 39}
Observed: {"hour": 5, "minute": 35, "second": 50}
